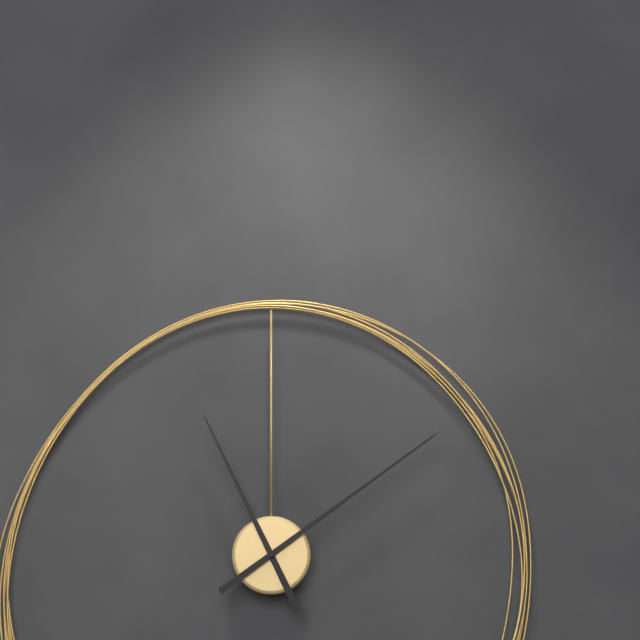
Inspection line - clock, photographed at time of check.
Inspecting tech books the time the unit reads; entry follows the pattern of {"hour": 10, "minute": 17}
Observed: {"hour": 11, "minute": 9}
